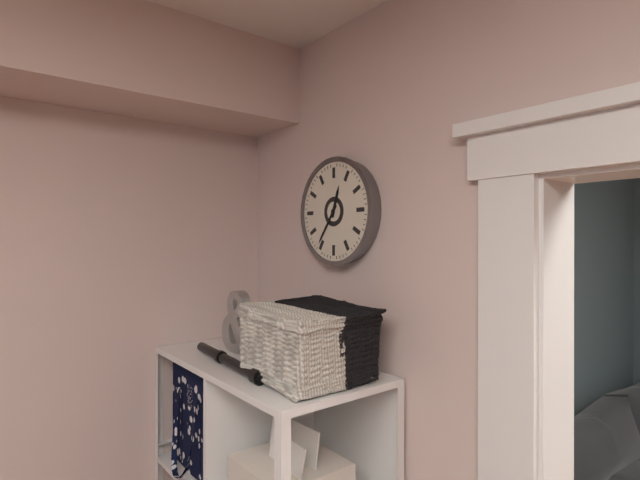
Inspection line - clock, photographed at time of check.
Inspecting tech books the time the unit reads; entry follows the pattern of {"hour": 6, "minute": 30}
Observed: {"hour": 12, "minute": 36}
